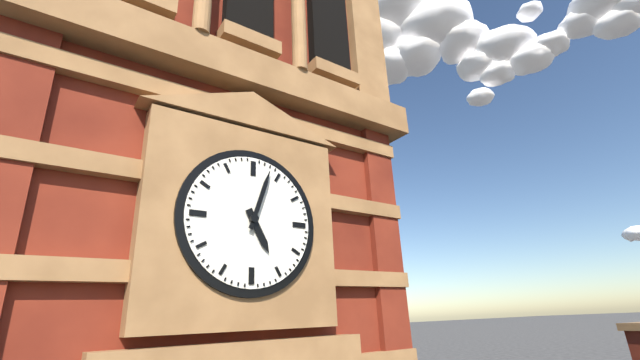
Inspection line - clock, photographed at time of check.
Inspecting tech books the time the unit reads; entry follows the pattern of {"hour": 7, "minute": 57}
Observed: {"hour": 5, "minute": 3}
